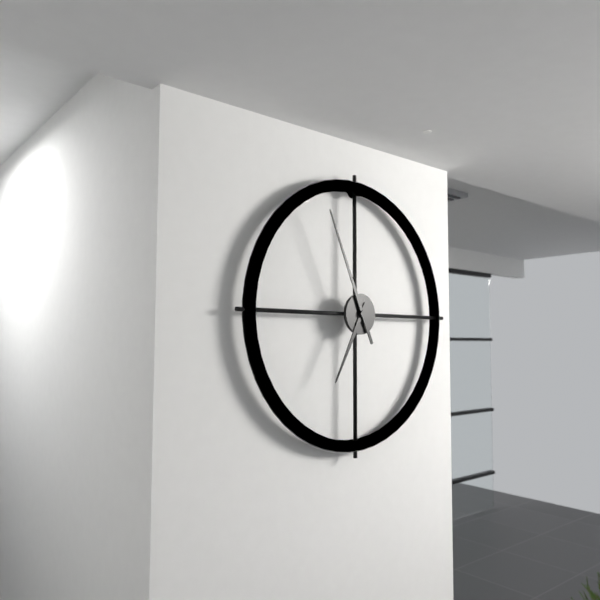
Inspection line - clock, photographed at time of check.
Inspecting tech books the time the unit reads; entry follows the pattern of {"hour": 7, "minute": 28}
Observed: {"hour": 6, "minute": 56}
